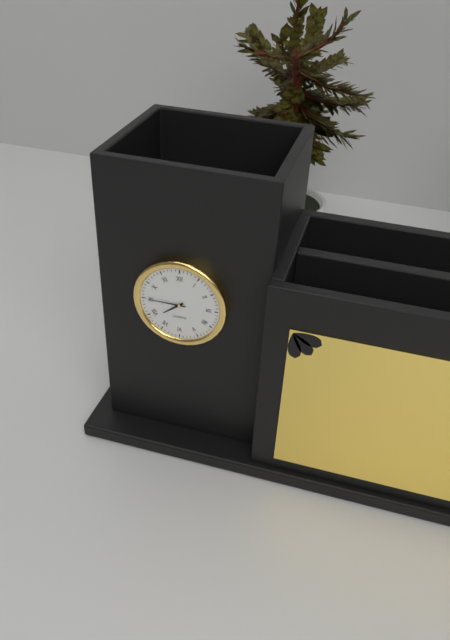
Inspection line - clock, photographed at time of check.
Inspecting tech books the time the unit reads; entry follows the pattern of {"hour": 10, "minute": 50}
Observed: {"hour": 7, "minute": 45}
